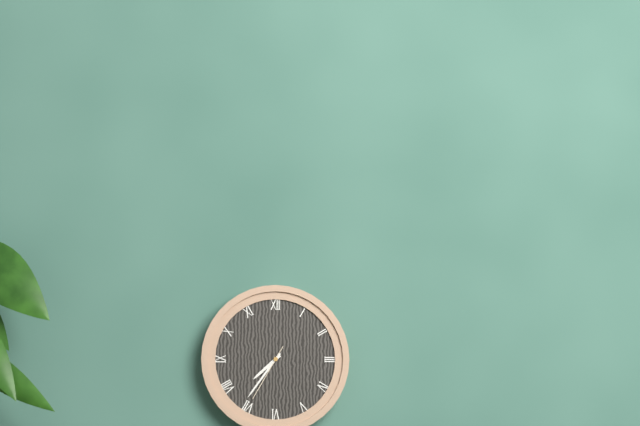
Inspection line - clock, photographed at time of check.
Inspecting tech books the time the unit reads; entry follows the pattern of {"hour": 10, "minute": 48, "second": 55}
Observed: {"hour": 7, "minute": 36, "second": 35}
